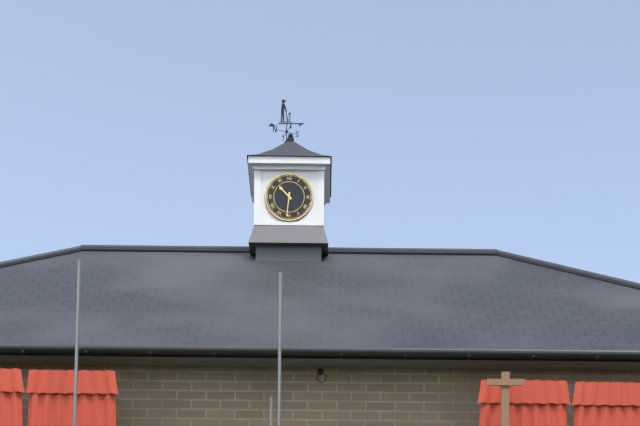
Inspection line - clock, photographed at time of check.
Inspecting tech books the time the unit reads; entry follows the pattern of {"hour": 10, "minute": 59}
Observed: {"hour": 10, "minute": 31}
